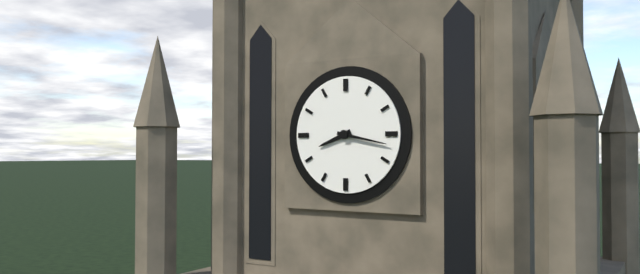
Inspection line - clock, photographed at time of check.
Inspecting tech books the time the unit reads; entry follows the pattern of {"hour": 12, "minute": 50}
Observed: {"hour": 8, "minute": 17}
